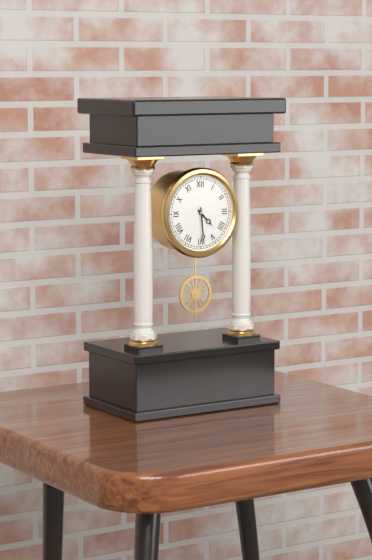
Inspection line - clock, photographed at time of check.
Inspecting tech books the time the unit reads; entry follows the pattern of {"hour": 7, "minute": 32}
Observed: {"hour": 4, "minute": 29}
